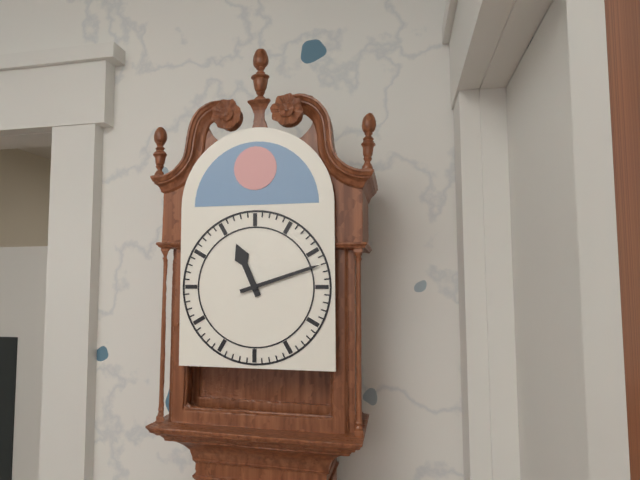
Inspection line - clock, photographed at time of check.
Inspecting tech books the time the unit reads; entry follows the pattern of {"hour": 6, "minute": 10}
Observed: {"hour": 11, "minute": 12}
